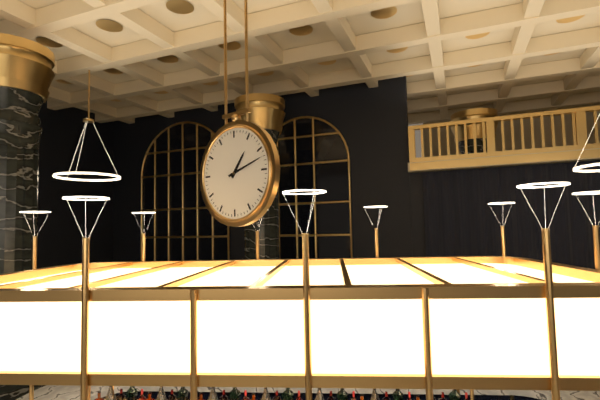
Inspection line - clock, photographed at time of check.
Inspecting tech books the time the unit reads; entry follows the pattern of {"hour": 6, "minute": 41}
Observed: {"hour": 1, "minute": 12}
